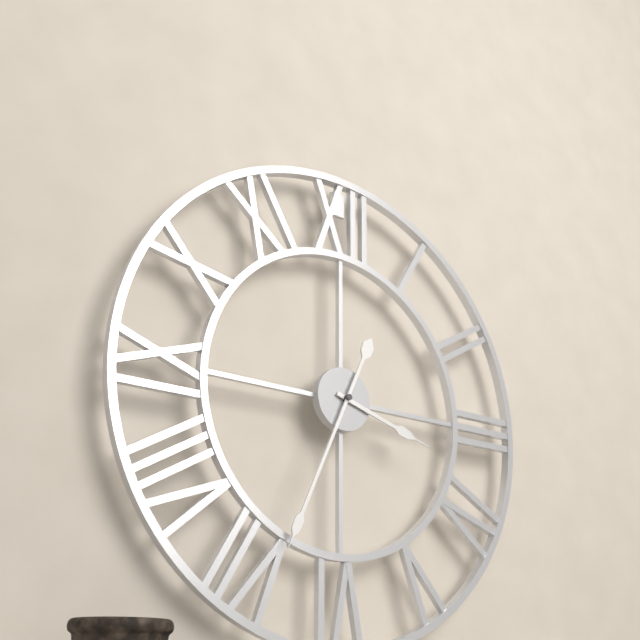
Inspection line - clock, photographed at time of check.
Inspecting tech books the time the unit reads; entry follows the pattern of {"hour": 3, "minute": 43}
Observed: {"hour": 3, "minute": 34}
